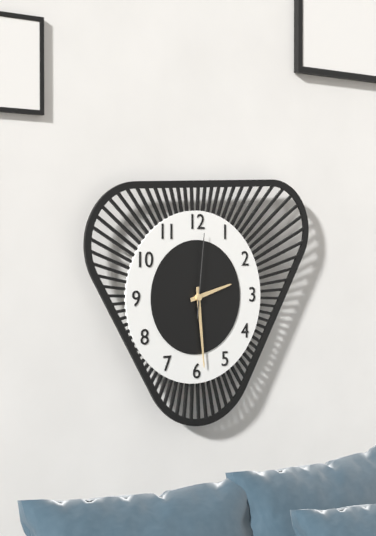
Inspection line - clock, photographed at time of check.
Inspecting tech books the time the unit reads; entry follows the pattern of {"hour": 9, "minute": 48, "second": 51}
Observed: {"hour": 2, "minute": 29, "second": 1}
